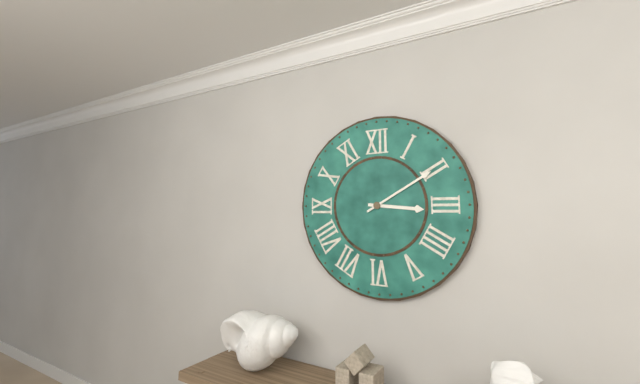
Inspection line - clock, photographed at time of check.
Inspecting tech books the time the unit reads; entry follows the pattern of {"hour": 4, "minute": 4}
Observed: {"hour": 3, "minute": 10}
